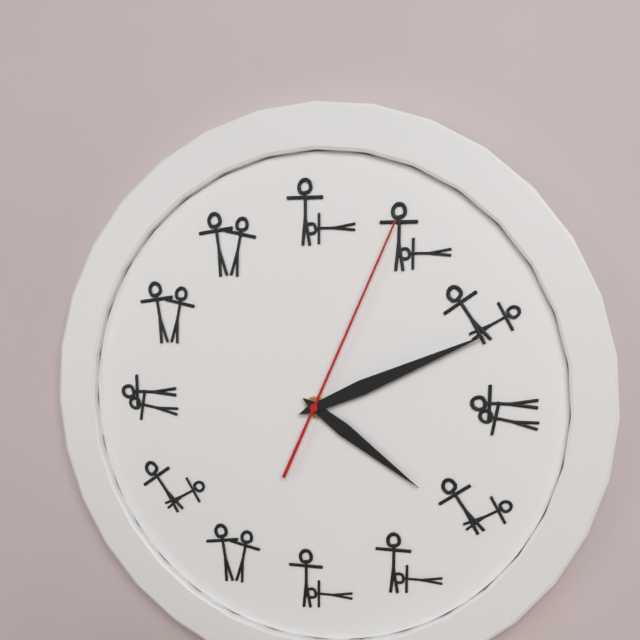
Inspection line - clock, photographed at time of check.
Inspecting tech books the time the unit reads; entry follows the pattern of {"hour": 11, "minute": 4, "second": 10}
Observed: {"hour": 4, "minute": 11, "second": 4}
